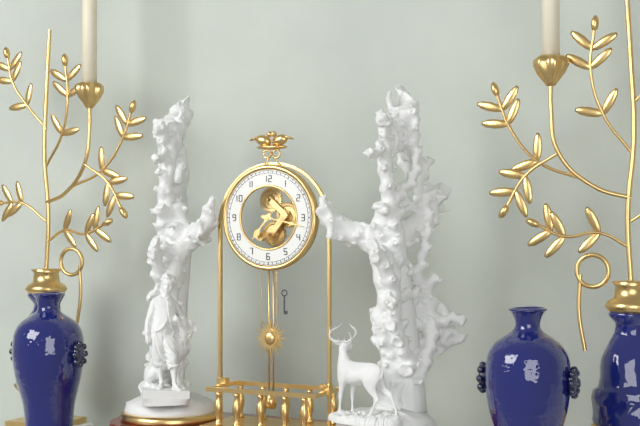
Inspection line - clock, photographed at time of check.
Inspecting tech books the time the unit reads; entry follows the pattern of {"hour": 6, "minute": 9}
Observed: {"hour": 7, "minute": 17}
